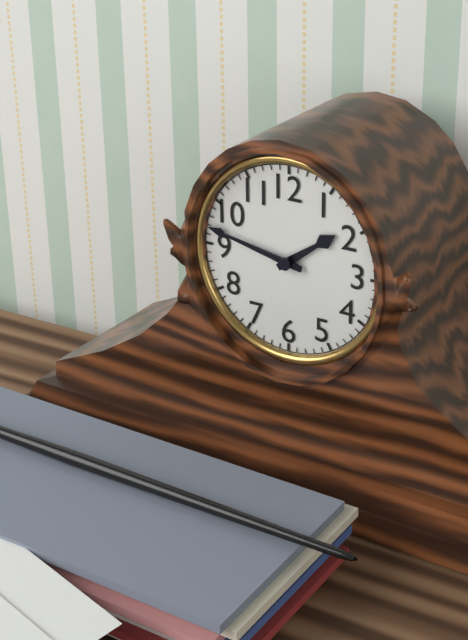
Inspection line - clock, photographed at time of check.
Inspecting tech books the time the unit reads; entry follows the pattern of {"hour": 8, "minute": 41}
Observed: {"hour": 1, "minute": 47}
